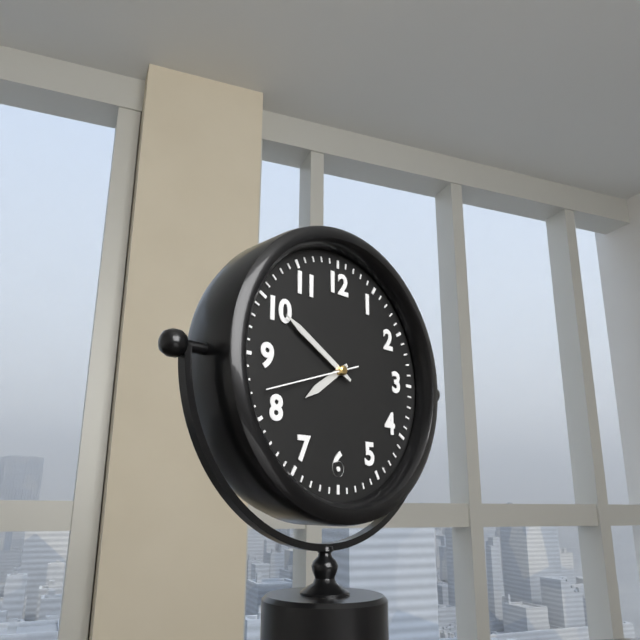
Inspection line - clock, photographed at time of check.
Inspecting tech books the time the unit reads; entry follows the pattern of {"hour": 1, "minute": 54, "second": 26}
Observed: {"hour": 7, "minute": 50, "second": 42}
